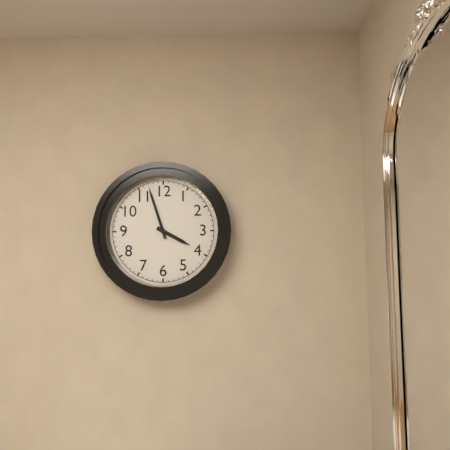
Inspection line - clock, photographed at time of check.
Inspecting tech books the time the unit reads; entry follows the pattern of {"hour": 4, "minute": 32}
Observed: {"hour": 3, "minute": 57}
